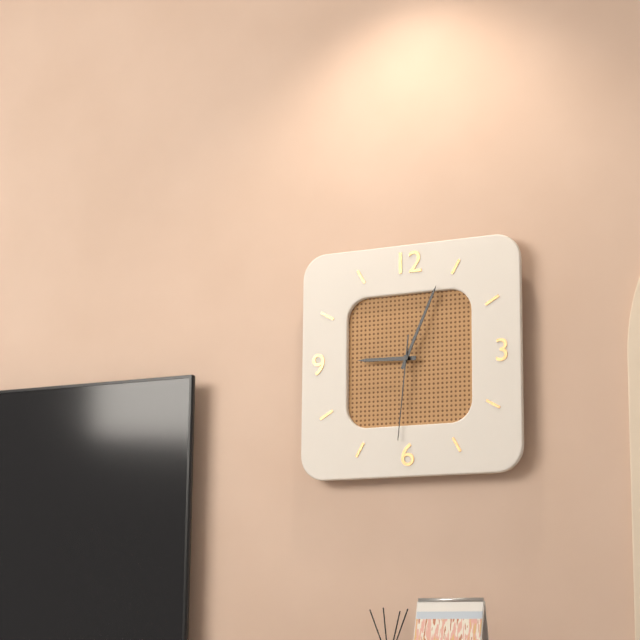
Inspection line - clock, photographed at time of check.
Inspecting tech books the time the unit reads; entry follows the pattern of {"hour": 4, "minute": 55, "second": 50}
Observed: {"hour": 9, "minute": 4, "second": 31}
